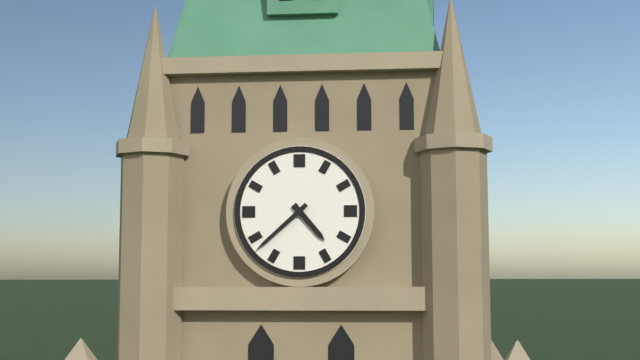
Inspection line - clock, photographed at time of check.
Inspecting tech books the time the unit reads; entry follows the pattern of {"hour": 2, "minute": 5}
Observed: {"hour": 4, "minute": 38}
